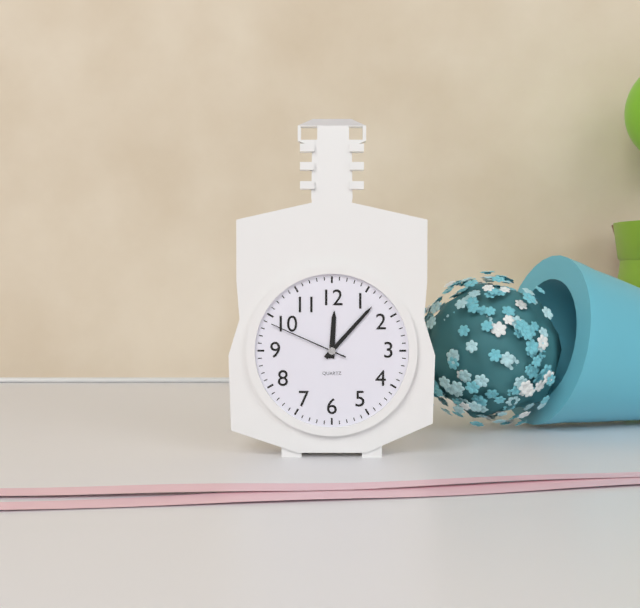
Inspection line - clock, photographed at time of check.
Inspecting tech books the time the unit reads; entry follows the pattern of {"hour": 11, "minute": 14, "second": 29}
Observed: {"hour": 12, "minute": 7, "second": 49}
